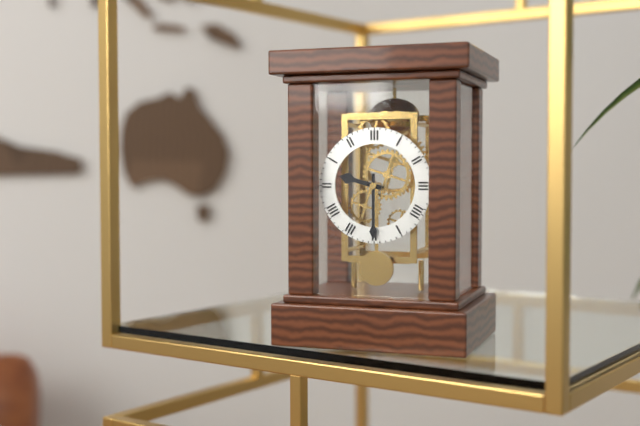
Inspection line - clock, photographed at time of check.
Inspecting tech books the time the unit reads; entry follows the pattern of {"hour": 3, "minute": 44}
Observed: {"hour": 9, "minute": 30}
